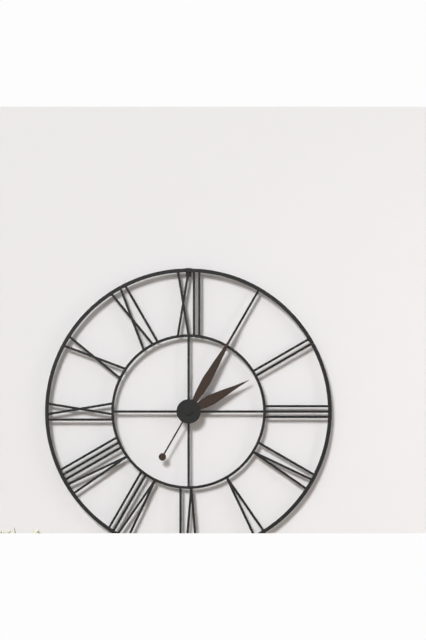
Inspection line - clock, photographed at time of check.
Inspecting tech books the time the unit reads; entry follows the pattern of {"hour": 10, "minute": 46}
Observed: {"hour": 2, "minute": 5}
